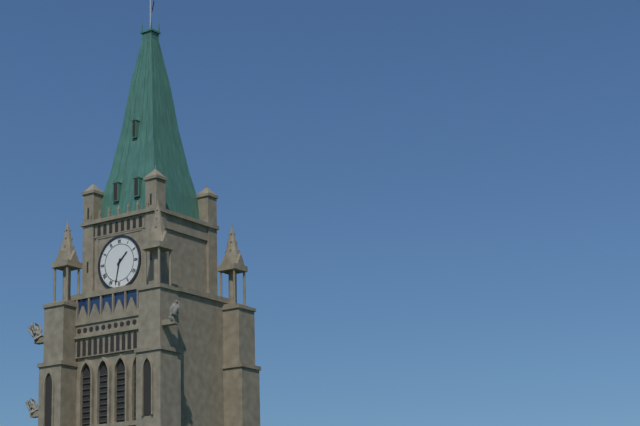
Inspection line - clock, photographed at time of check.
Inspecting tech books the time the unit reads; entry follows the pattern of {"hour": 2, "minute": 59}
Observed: {"hour": 1, "minute": 32}
